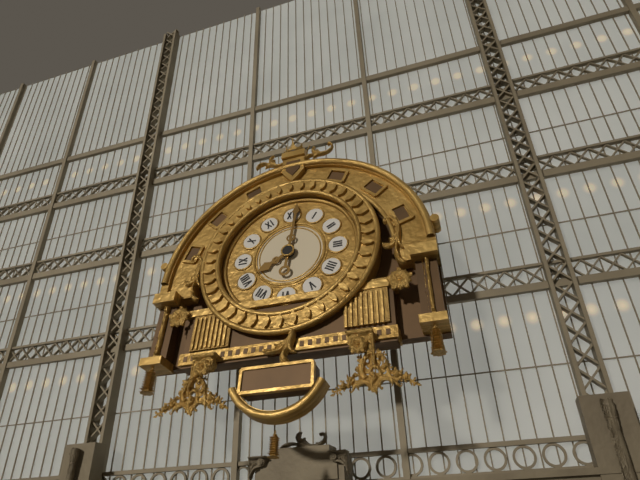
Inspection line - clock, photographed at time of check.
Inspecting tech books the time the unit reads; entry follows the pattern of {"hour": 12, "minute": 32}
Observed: {"hour": 8, "minute": 1}
